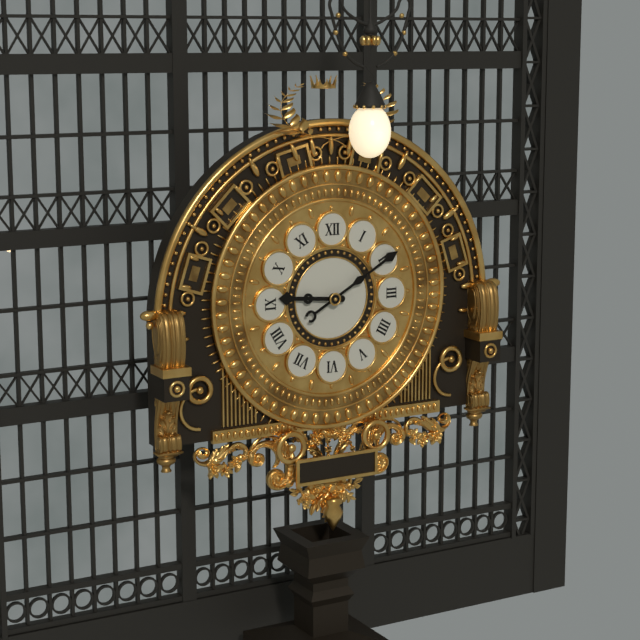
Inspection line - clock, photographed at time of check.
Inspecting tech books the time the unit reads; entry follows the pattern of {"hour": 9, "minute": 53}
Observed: {"hour": 9, "minute": 10}
